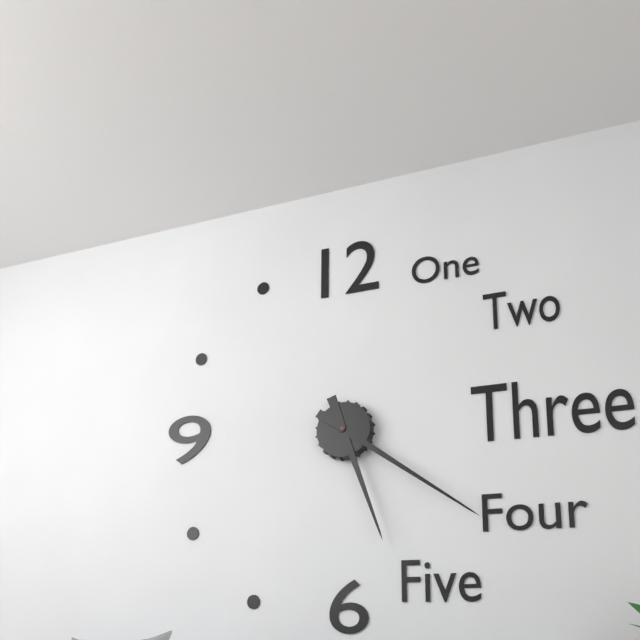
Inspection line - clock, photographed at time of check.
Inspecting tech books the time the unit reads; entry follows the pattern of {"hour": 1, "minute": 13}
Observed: {"hour": 5, "minute": 21}
